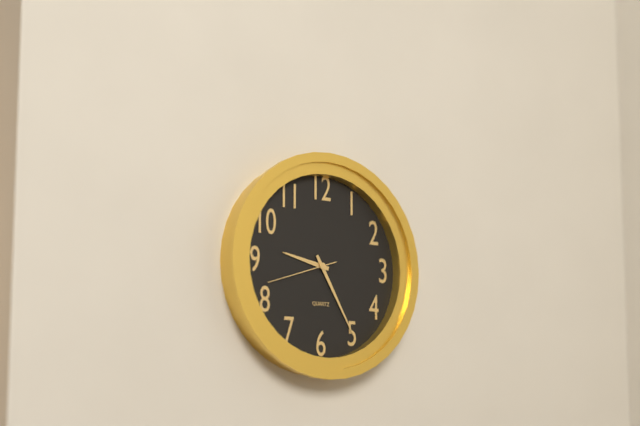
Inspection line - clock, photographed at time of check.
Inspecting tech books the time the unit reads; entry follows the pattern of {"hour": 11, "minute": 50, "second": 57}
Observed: {"hour": 9, "minute": 25, "second": 42}
